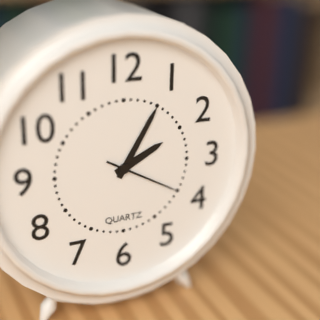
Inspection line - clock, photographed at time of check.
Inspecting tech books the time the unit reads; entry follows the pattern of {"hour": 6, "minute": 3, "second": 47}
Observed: {"hour": 2, "minute": 5, "second": 20}
